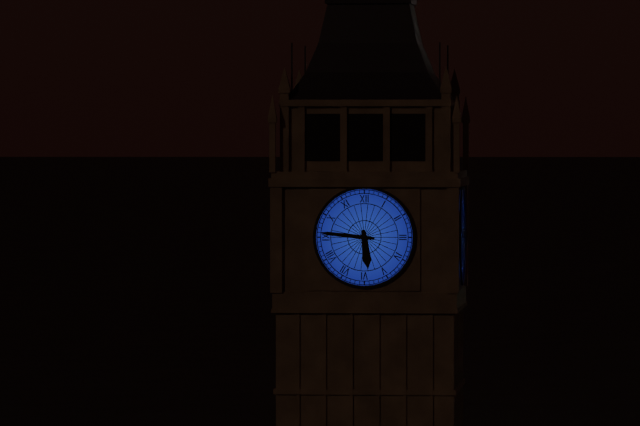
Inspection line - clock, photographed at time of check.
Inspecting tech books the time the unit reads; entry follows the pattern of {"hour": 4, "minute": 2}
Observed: {"hour": 5, "minute": 46}
